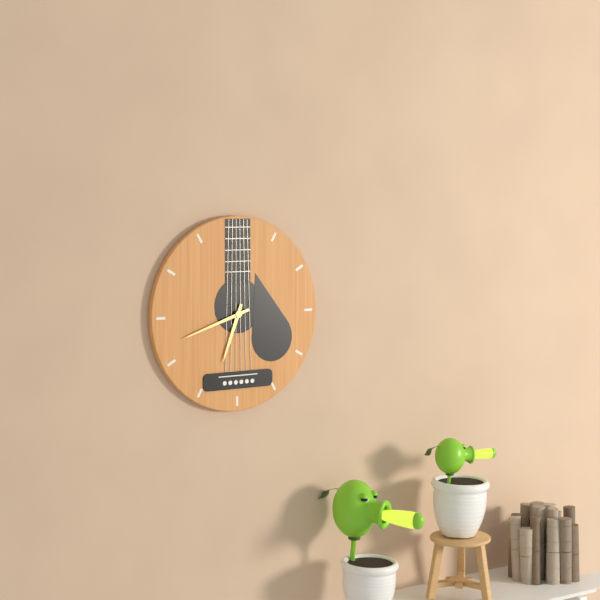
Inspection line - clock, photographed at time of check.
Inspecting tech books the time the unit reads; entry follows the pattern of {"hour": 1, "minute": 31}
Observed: {"hour": 6, "minute": 42}
